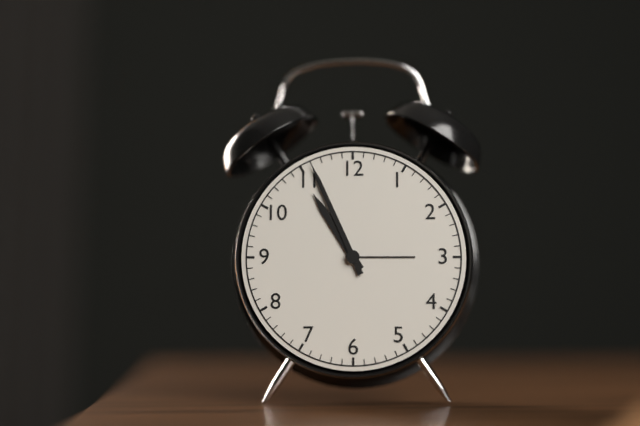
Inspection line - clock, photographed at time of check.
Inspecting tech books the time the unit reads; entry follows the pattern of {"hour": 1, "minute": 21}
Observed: {"hour": 10, "minute": 56}
